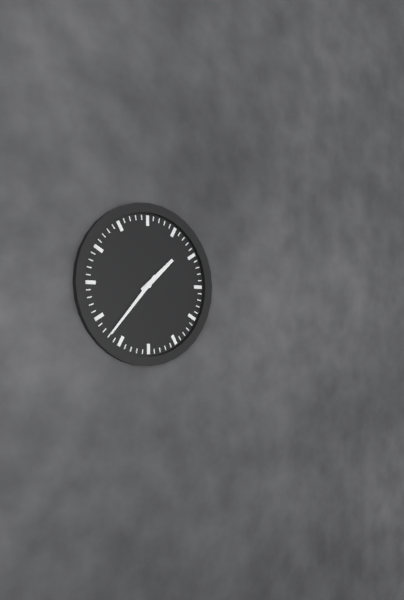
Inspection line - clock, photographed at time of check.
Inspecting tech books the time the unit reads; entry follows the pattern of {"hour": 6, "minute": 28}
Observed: {"hour": 1, "minute": 37}
